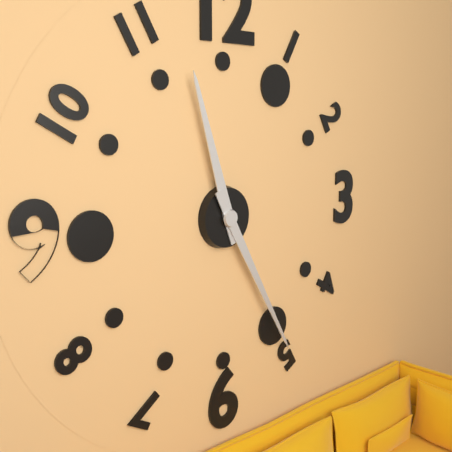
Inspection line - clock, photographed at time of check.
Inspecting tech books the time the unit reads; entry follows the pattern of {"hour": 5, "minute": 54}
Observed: {"hour": 11, "minute": 25}
